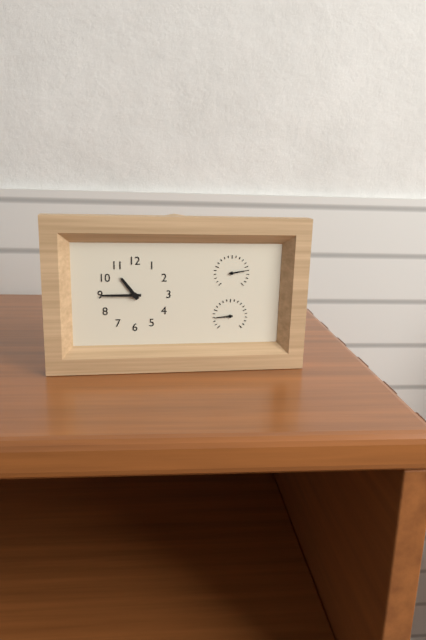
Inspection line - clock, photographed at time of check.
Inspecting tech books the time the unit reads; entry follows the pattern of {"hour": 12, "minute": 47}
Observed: {"hour": 10, "minute": 45}
